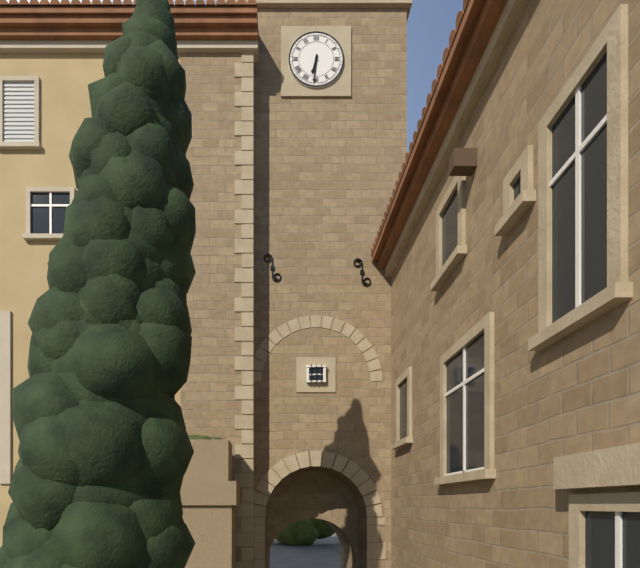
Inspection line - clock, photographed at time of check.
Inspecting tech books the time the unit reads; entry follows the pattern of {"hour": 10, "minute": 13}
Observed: {"hour": 6, "minute": 31}
